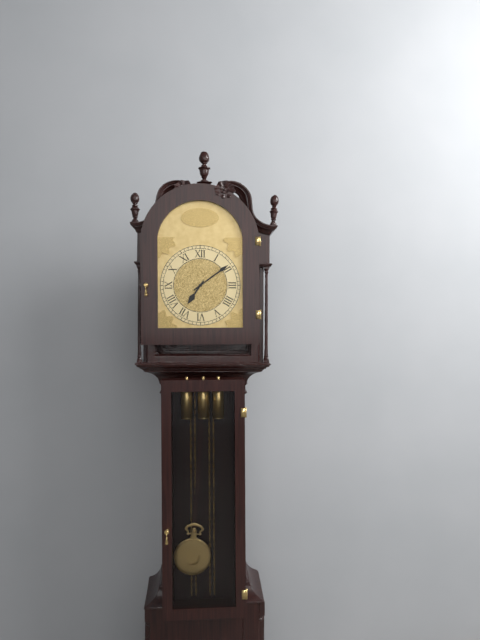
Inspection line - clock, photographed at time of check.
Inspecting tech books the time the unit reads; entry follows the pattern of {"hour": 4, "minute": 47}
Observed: {"hour": 7, "minute": 9}
